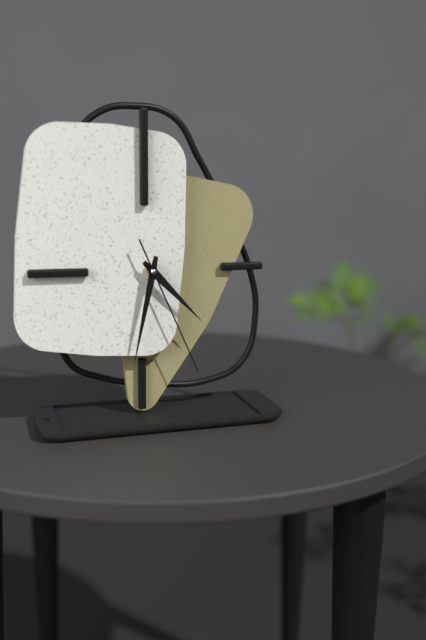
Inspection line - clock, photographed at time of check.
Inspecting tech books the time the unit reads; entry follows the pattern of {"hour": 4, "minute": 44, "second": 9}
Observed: {"hour": 4, "minute": 32, "second": 26}
